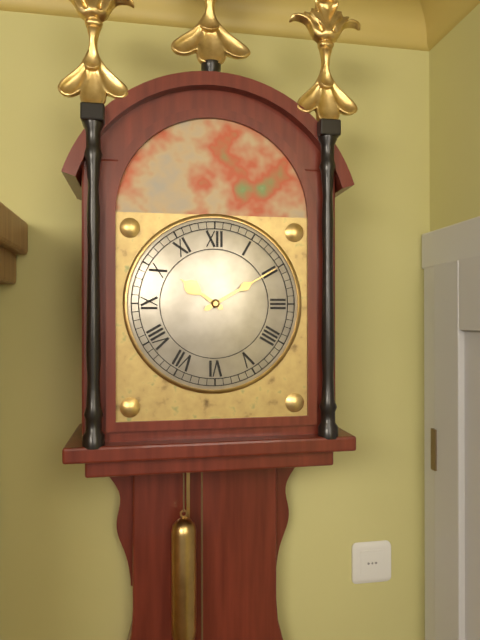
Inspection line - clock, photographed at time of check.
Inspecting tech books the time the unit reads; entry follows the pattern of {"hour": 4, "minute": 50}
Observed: {"hour": 10, "minute": 10}
